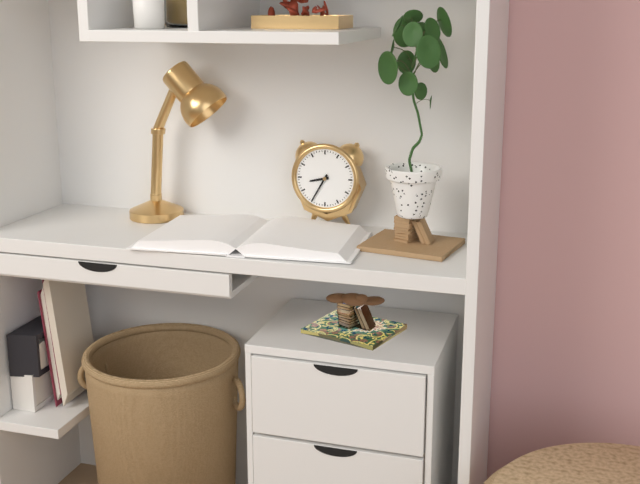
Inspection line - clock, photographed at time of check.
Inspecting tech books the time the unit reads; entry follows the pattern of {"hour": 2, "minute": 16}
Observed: {"hour": 8, "minute": 35}
